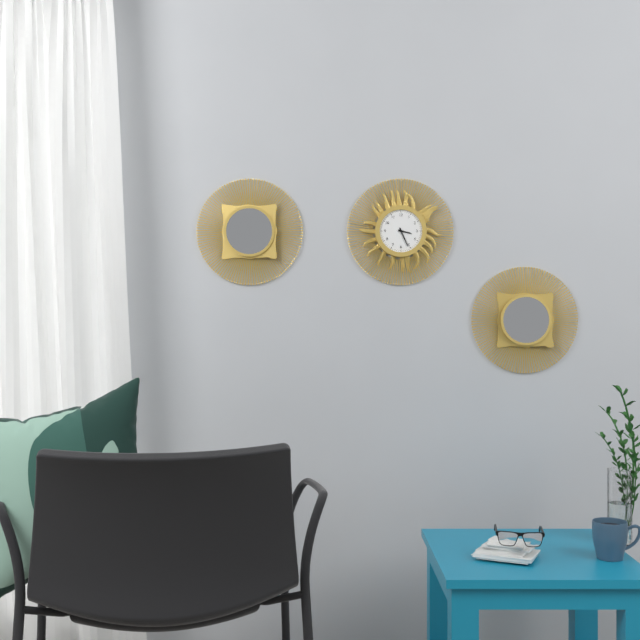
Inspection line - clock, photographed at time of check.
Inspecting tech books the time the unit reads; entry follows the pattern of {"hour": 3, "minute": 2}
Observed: {"hour": 3, "minute": 26}
